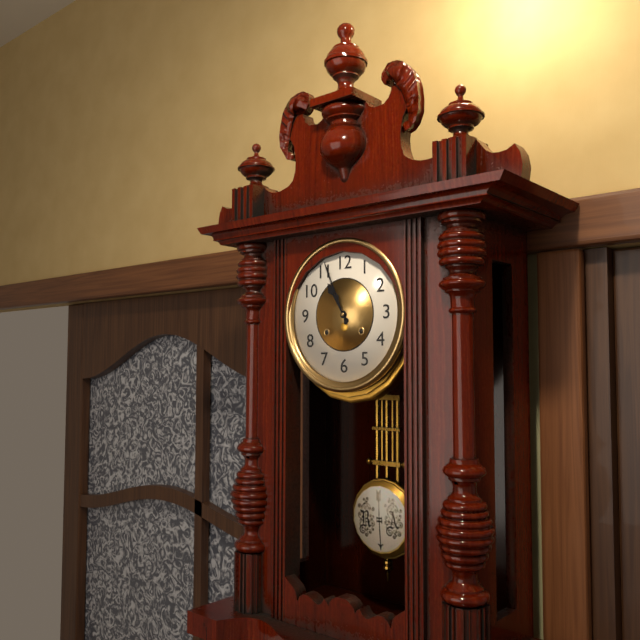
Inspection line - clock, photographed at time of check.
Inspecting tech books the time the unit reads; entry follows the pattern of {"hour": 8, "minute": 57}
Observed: {"hour": 10, "minute": 56}
